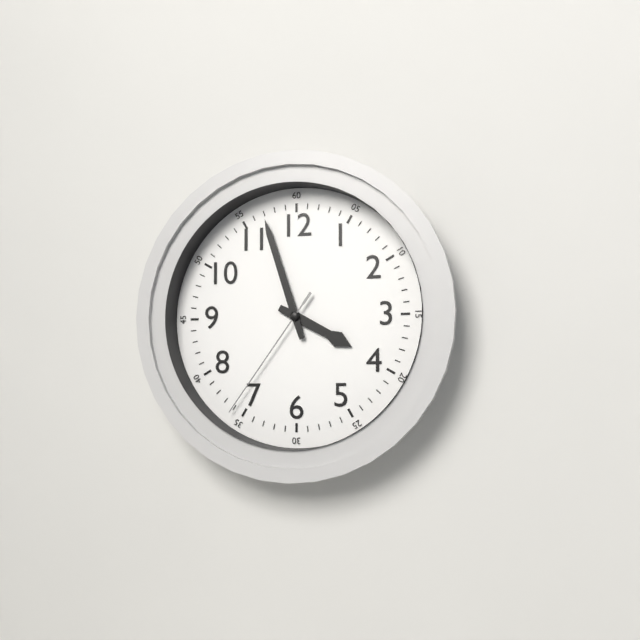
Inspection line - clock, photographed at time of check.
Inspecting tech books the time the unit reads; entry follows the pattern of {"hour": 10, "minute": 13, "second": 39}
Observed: {"hour": 3, "minute": 57, "second": 36}
